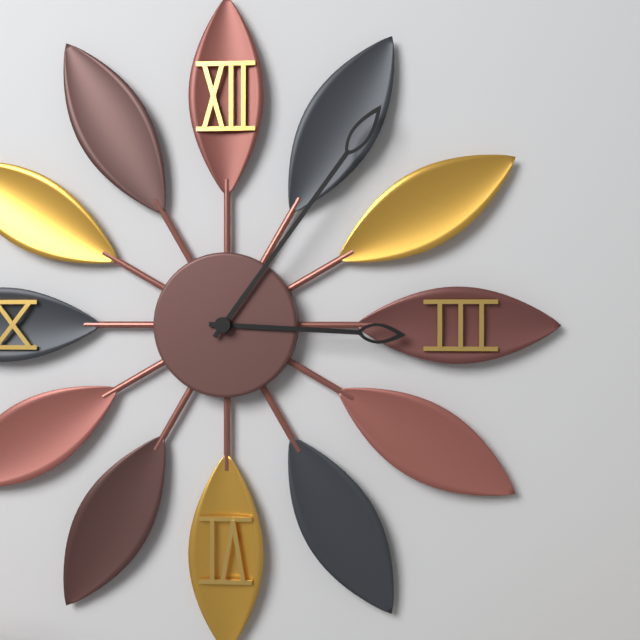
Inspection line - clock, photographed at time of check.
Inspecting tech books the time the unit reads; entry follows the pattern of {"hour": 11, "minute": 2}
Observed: {"hour": 3, "minute": 6}
